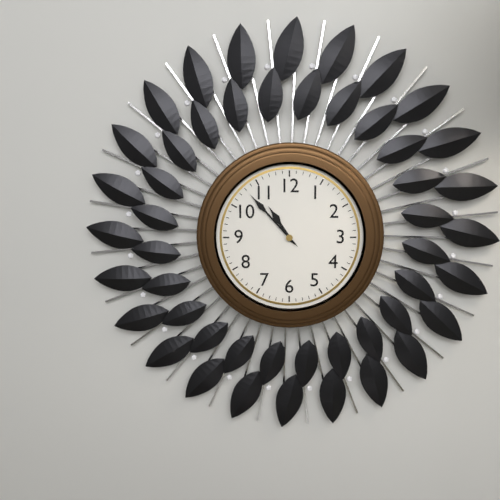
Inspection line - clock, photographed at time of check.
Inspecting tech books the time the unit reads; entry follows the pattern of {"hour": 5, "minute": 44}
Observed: {"hour": 10, "minute": 53}
